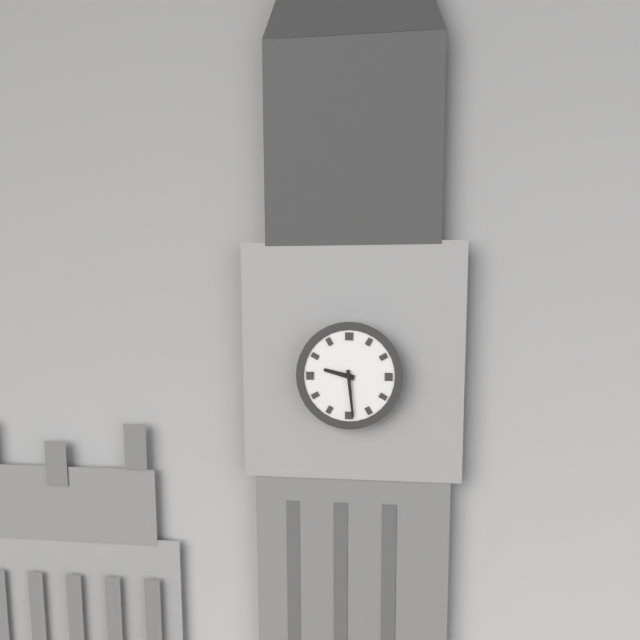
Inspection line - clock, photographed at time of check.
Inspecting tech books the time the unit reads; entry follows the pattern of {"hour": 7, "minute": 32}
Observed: {"hour": 9, "minute": 29}
